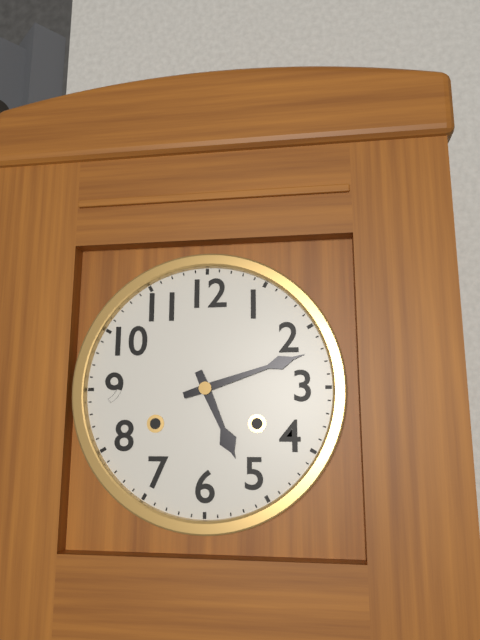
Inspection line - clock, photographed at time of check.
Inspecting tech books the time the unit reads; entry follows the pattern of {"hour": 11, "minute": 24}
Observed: {"hour": 5, "minute": 12}
